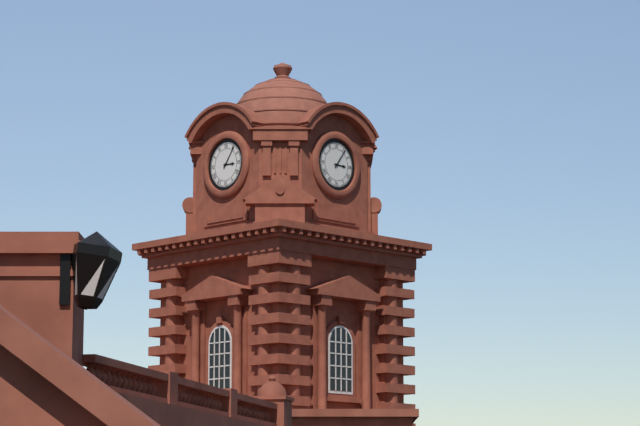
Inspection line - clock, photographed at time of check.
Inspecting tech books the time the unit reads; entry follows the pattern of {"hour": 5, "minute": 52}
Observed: {"hour": 3, "minute": 6}
